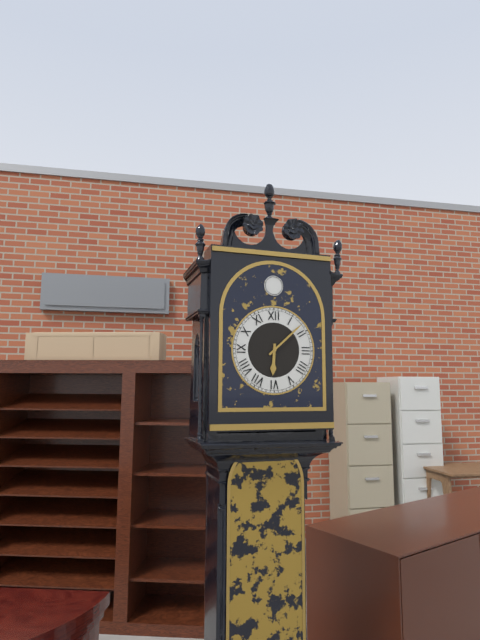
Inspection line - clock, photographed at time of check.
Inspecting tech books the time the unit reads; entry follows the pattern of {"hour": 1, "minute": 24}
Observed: {"hour": 6, "minute": 8}
